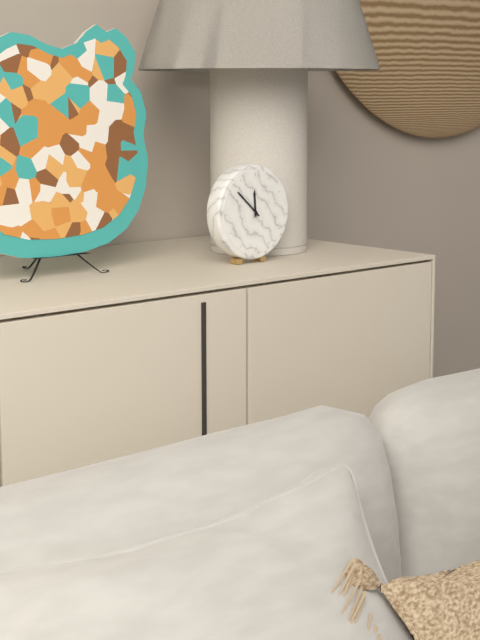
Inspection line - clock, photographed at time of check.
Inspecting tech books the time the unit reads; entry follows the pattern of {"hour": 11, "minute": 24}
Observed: {"hour": 11, "minute": 52}
